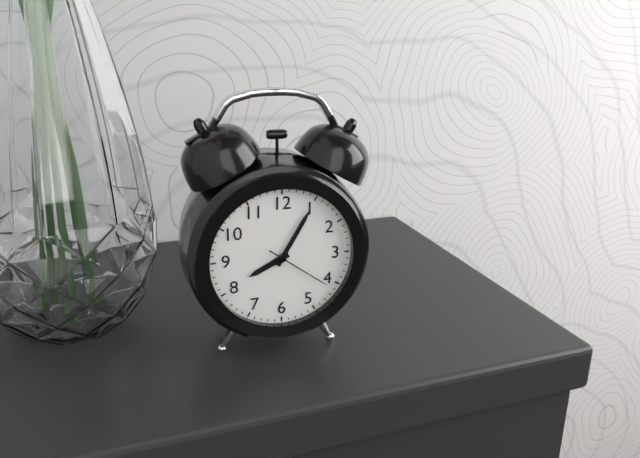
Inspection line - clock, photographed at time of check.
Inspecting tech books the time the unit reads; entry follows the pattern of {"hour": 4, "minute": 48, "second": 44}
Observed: {"hour": 8, "minute": 5, "second": 21}
